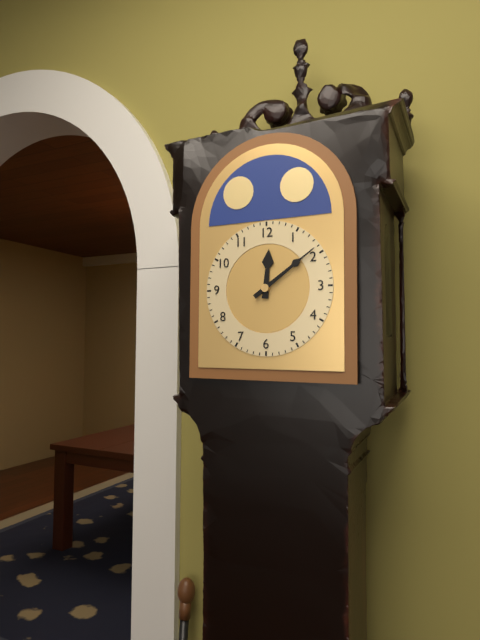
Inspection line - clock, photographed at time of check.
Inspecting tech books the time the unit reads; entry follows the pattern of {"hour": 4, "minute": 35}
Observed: {"hour": 12, "minute": 9}
